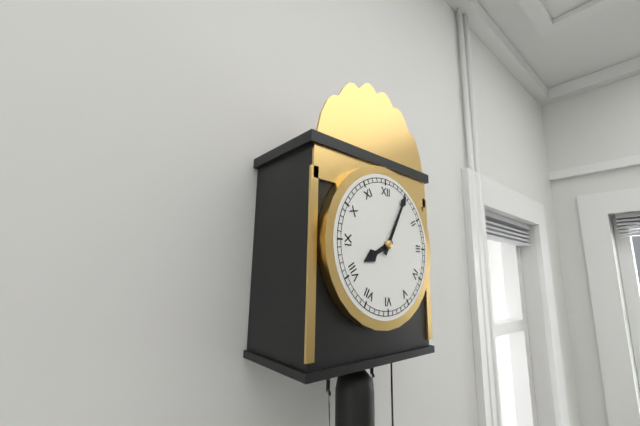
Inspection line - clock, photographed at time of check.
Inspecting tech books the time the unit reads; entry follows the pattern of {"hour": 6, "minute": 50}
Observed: {"hour": 8, "minute": 5}
